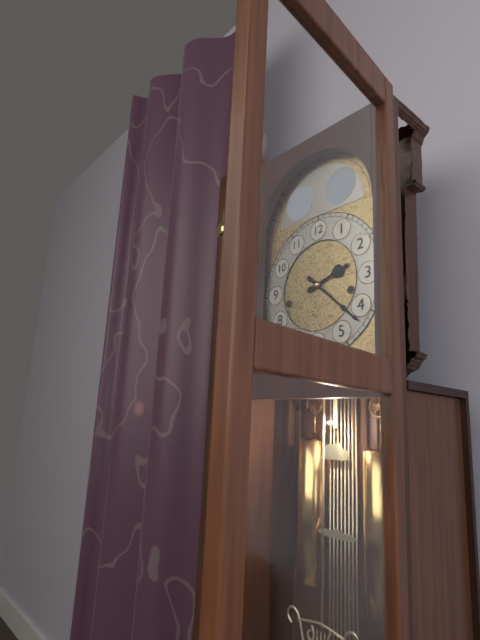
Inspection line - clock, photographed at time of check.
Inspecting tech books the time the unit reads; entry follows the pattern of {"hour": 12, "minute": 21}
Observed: {"hour": 2, "minute": 22}
